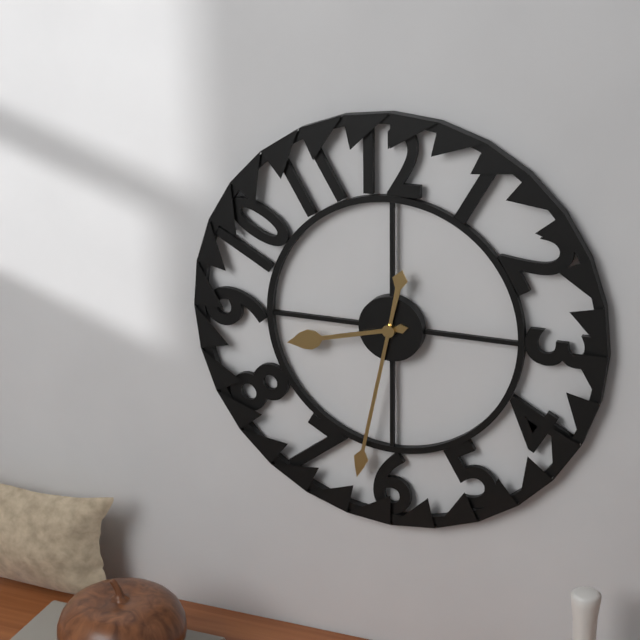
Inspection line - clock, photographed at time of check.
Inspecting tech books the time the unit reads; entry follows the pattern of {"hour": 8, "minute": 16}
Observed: {"hour": 8, "minute": 32}
